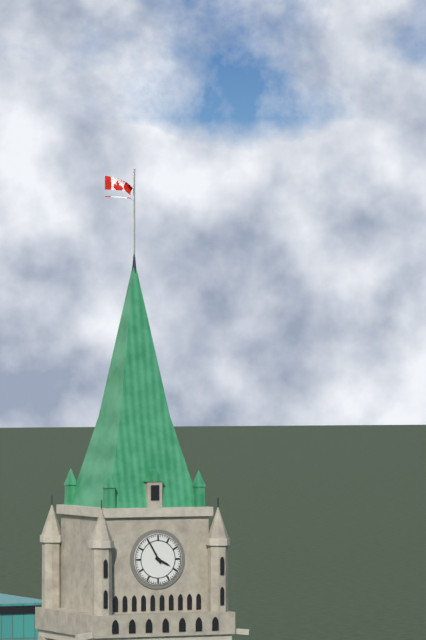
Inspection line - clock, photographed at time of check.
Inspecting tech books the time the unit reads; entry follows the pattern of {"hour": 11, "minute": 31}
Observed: {"hour": 3, "minute": 55}
